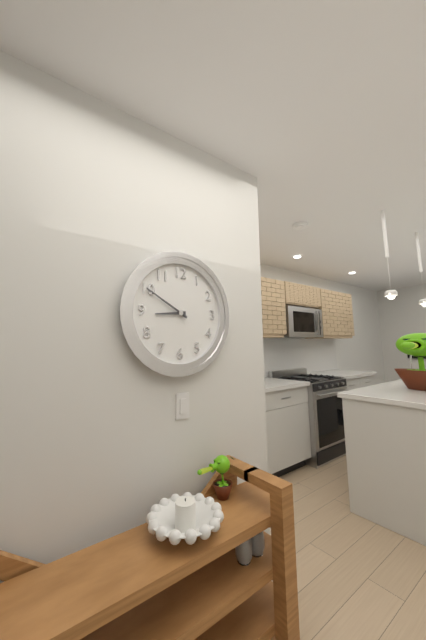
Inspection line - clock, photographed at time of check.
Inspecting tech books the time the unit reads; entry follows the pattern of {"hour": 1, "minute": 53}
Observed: {"hour": 8, "minute": 50}
